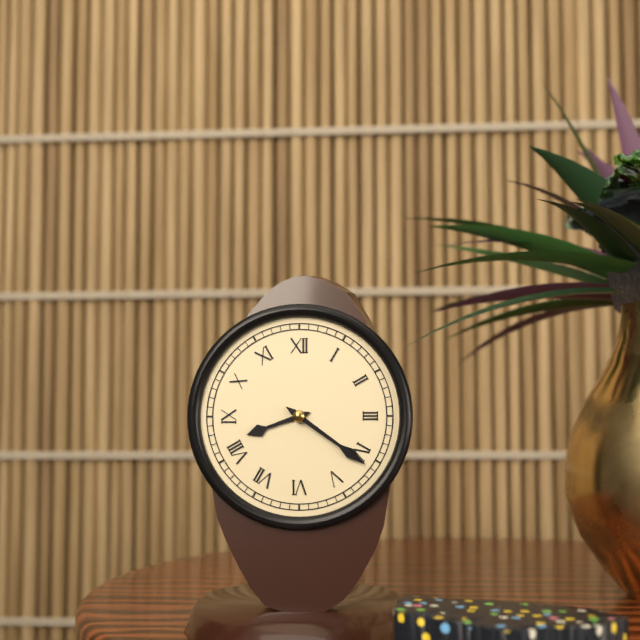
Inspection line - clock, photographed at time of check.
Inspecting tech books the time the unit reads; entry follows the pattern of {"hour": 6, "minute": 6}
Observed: {"hour": 8, "minute": 21}
